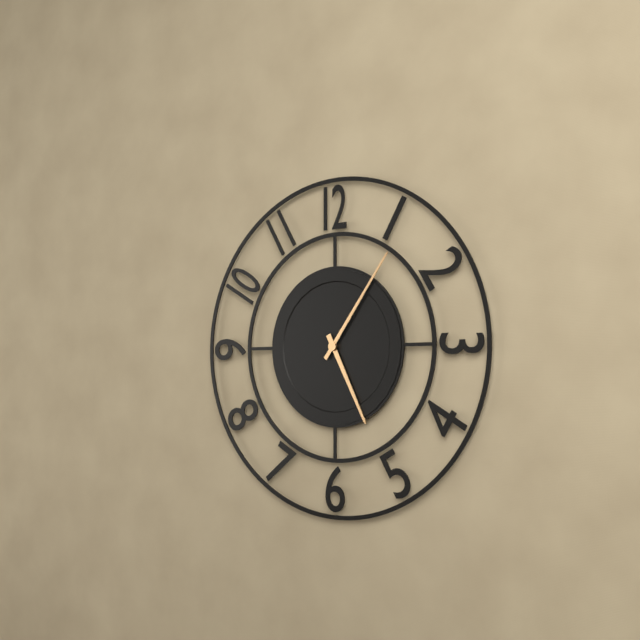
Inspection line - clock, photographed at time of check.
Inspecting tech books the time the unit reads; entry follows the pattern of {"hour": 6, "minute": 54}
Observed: {"hour": 5, "minute": 6}
